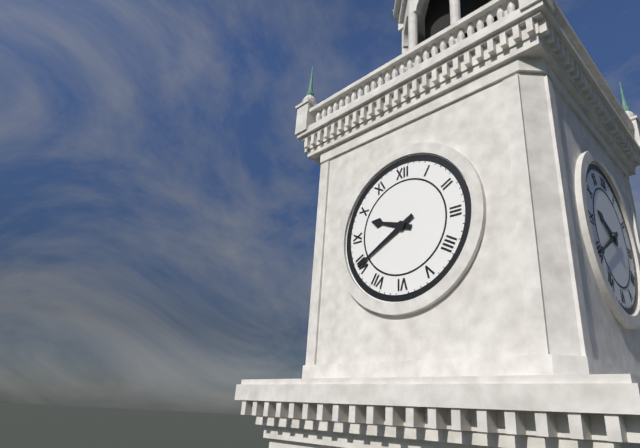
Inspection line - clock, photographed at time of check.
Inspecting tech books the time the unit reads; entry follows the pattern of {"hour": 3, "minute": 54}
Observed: {"hour": 9, "minute": 40}
